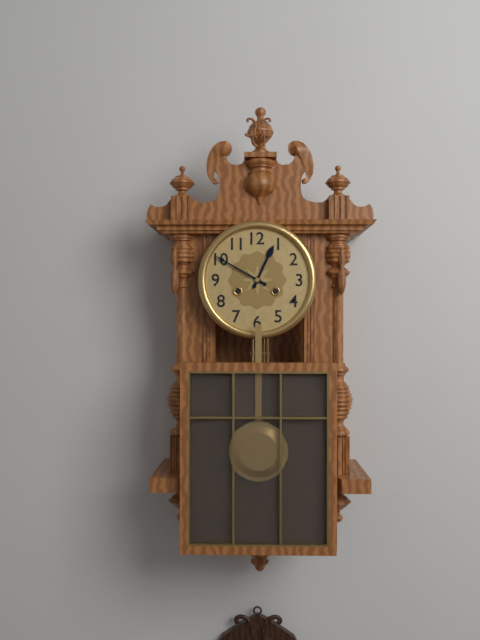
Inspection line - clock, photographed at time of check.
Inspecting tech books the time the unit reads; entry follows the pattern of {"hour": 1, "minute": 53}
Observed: {"hour": 12, "minute": 50}
